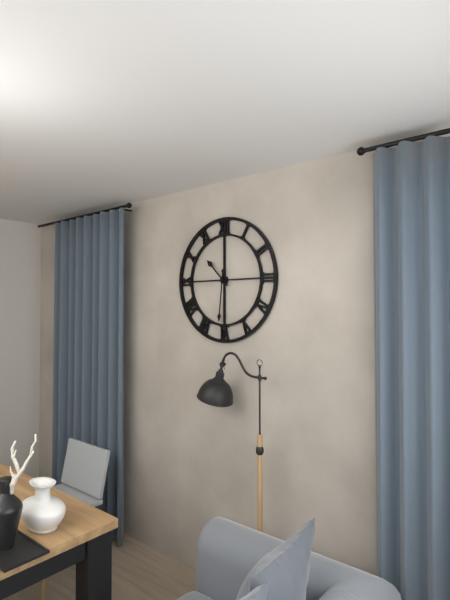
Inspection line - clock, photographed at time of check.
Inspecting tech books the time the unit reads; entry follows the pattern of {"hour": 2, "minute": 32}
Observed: {"hour": 10, "minute": 31}
